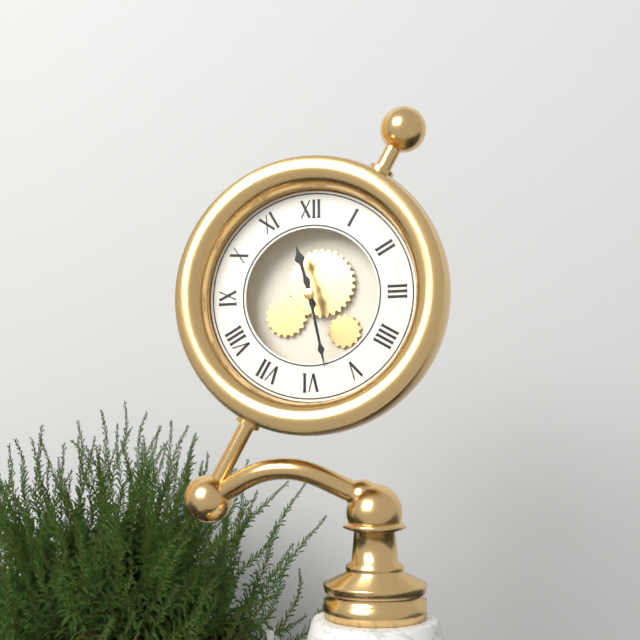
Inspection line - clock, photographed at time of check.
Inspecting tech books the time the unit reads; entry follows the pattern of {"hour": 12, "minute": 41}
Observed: {"hour": 11, "minute": 28}
